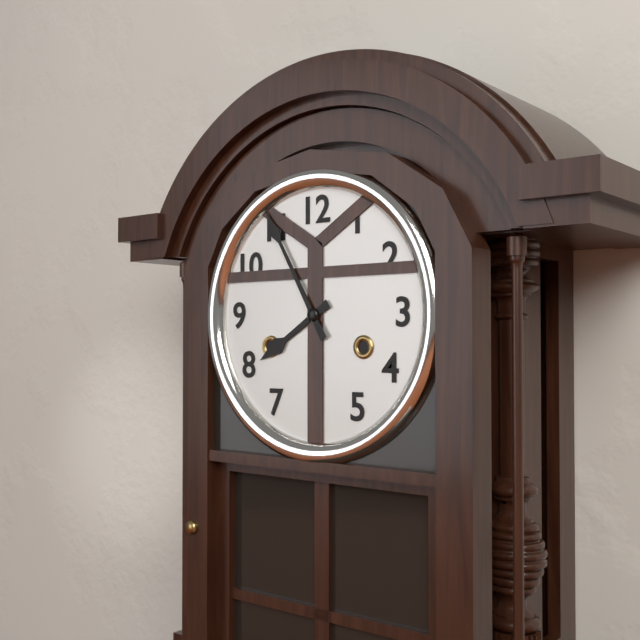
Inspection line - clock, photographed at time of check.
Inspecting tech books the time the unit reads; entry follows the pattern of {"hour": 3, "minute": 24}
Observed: {"hour": 7, "minute": 55}
